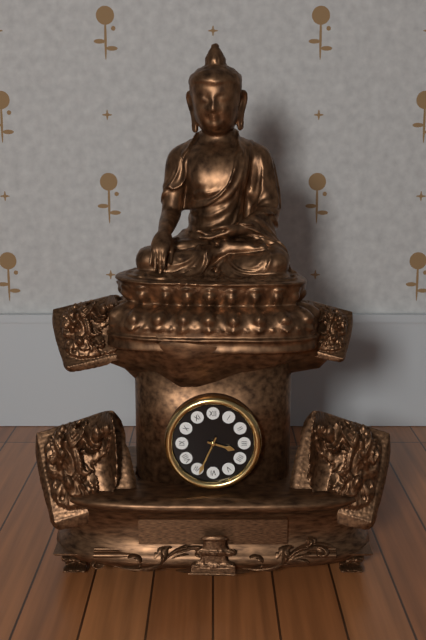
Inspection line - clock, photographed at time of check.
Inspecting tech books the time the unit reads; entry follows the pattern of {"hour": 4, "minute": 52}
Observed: {"hour": 3, "minute": 34}
